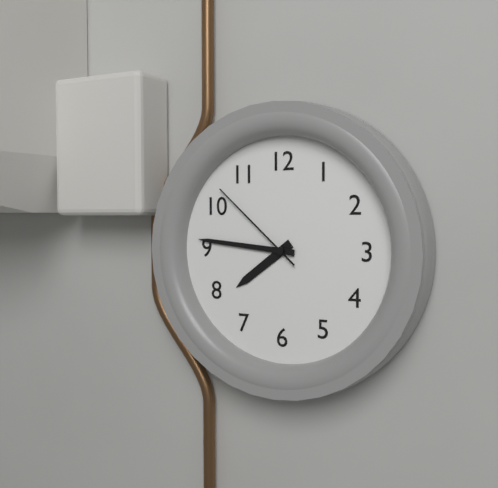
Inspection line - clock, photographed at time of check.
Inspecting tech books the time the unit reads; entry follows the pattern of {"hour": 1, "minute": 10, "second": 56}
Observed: {"hour": 7, "minute": 46, "second": 52}
